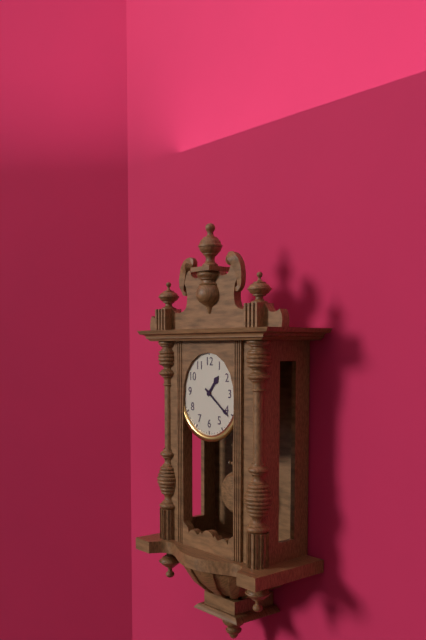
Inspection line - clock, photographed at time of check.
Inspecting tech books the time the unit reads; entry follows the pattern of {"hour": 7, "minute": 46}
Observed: {"hour": 1, "minute": 21}
